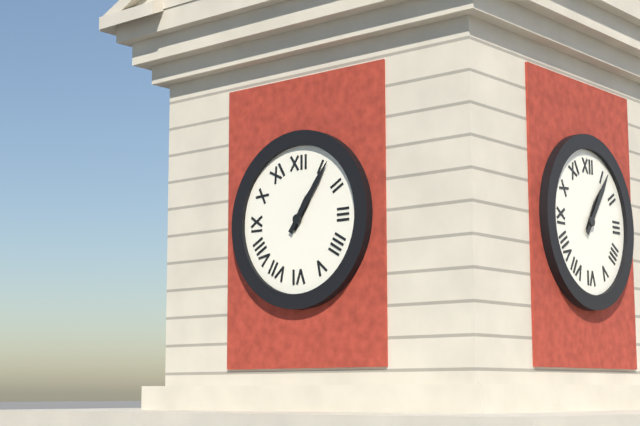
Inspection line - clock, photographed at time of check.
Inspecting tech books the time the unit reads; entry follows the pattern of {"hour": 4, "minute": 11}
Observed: {"hour": 1, "minute": 6}
